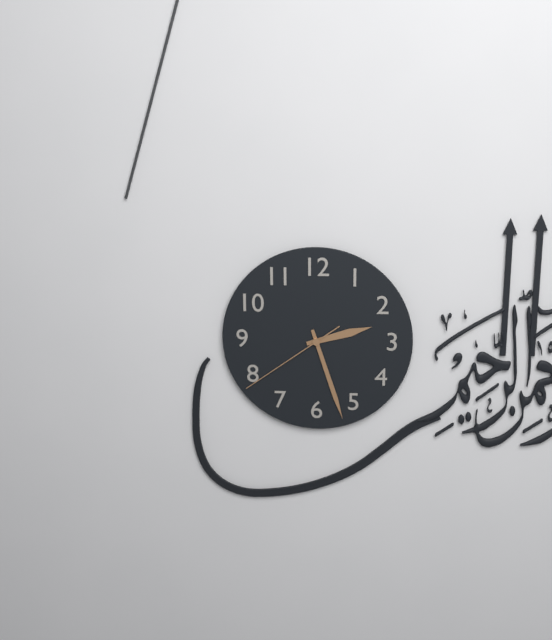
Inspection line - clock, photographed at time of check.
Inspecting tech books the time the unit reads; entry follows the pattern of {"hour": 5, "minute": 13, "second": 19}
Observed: {"hour": 2, "minute": 27, "second": 39}
